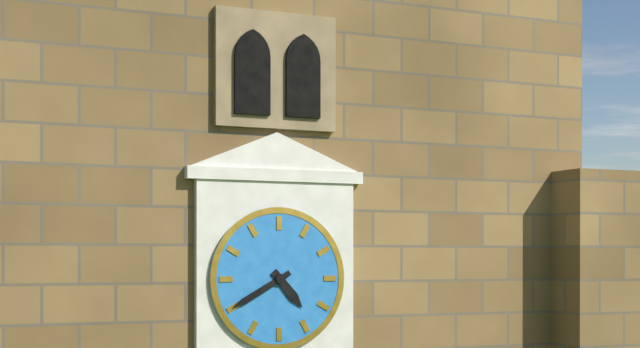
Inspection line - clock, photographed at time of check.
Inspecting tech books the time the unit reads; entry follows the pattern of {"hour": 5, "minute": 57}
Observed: {"hour": 4, "minute": 40}
